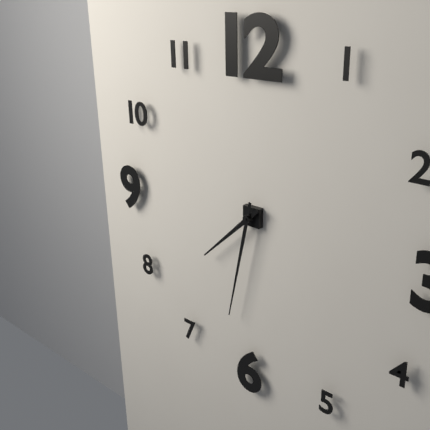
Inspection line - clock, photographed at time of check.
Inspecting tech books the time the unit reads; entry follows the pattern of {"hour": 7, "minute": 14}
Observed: {"hour": 7, "minute": 32}
